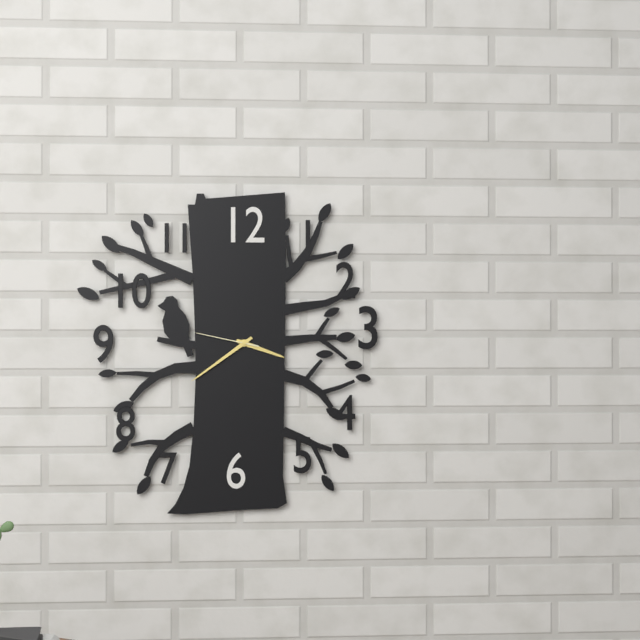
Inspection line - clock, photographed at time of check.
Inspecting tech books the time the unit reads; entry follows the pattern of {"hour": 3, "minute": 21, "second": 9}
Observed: {"hour": 3, "minute": 39, "second": 47}
